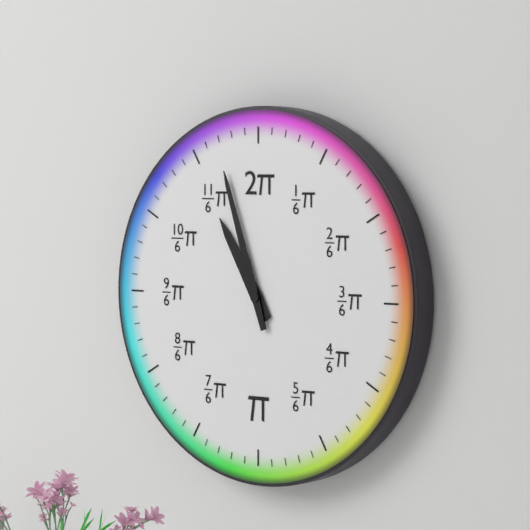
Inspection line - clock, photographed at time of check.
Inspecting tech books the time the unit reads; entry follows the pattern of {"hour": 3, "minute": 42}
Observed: {"hour": 10, "minute": 57}
